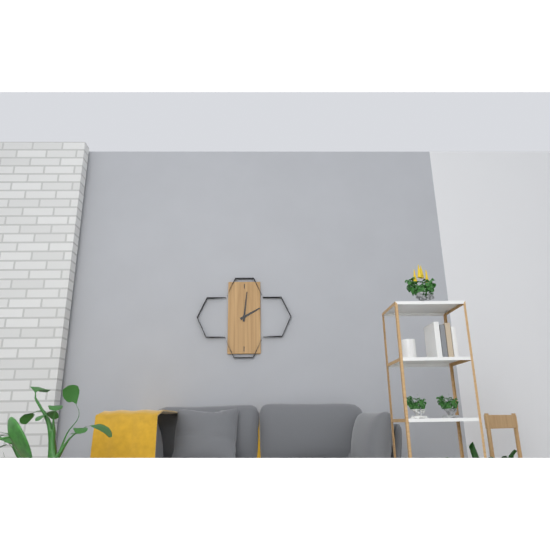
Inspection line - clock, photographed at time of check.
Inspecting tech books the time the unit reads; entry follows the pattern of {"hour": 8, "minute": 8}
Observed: {"hour": 2, "minute": 1}
